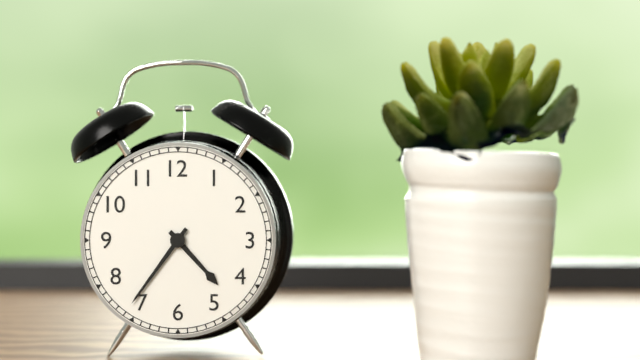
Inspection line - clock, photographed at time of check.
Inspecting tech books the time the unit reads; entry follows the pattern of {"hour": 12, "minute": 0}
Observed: {"hour": 4, "minute": 36}
